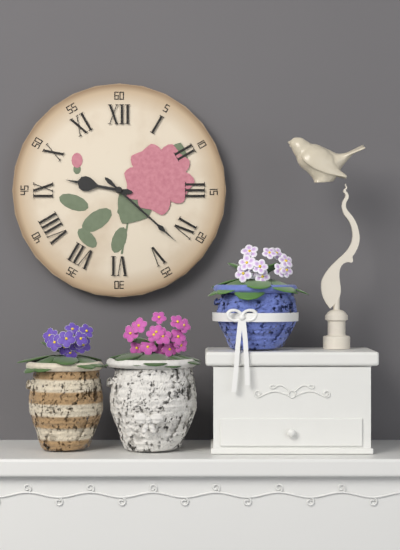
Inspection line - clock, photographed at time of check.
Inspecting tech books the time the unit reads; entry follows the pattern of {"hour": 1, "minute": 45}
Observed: {"hour": 9, "minute": 22}
